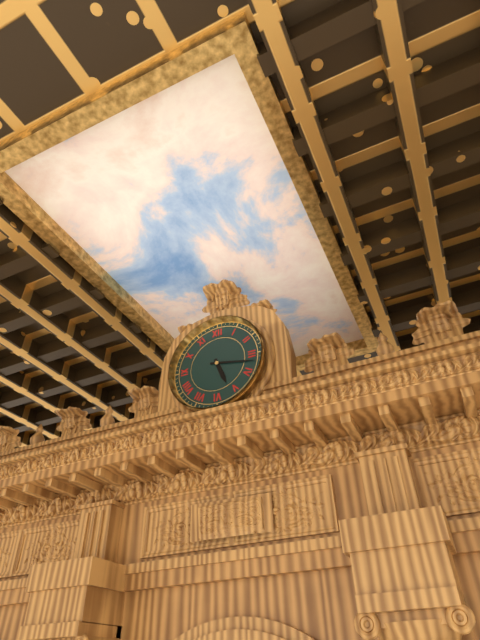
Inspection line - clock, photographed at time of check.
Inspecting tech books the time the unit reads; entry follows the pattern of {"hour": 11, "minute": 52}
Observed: {"hour": 5, "minute": 17}
